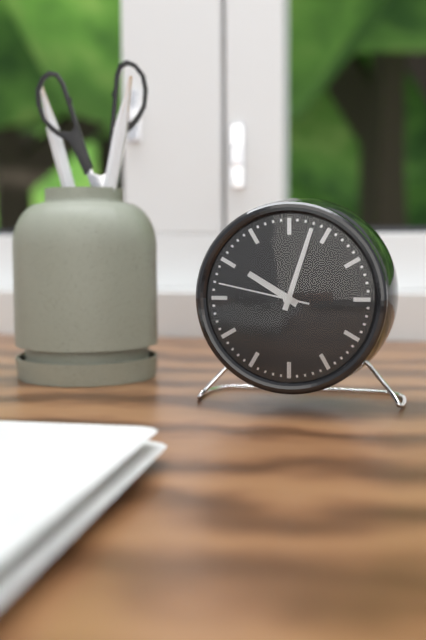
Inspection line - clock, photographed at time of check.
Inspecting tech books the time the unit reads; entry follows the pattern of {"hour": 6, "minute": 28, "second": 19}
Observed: {"hour": 10, "minute": 3, "second": 47}
